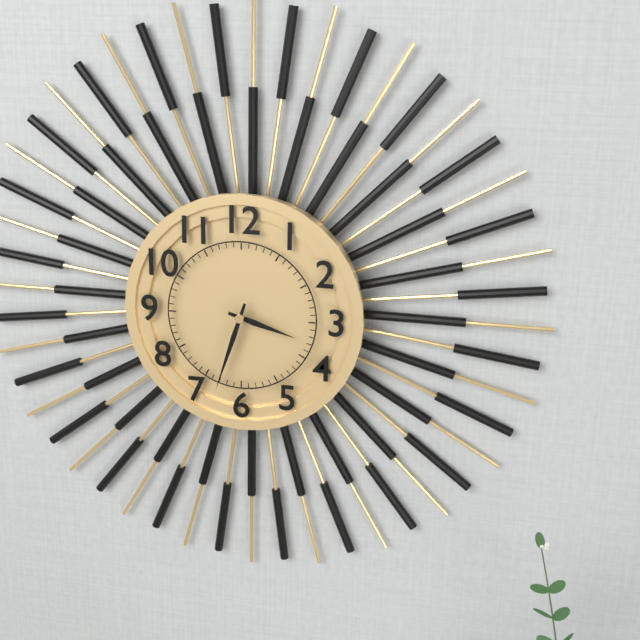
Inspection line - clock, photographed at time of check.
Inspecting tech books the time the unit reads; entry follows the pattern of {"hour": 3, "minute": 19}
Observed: {"hour": 3, "minute": 33}
